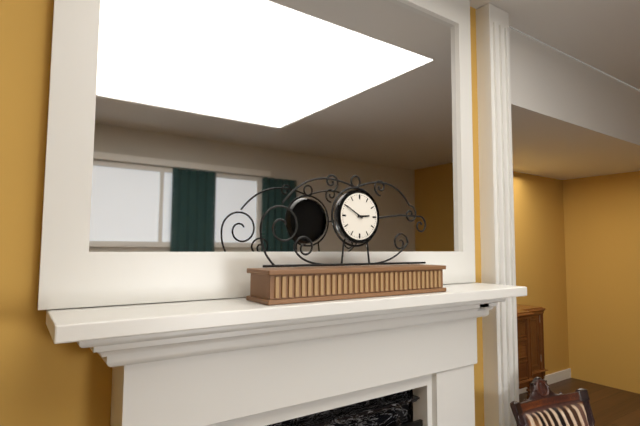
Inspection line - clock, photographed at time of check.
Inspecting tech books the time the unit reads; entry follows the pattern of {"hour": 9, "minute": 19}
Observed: {"hour": 2, "minute": 50}
